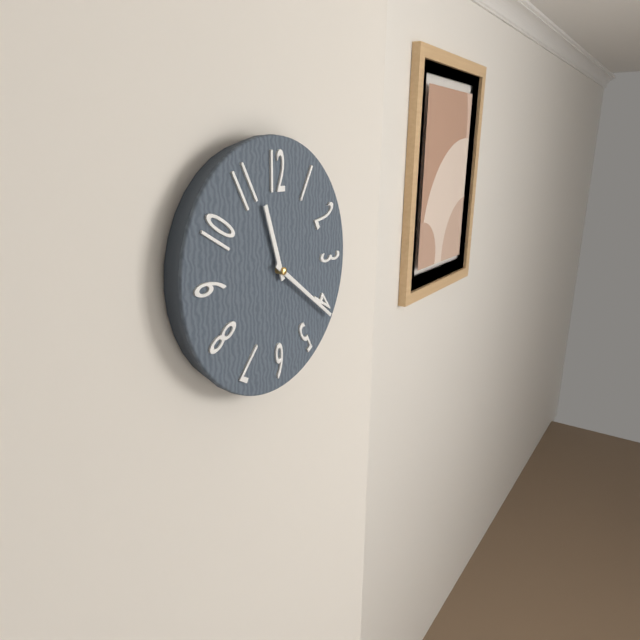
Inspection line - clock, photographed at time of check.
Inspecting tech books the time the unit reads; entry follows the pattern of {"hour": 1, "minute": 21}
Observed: {"hour": 11, "minute": 21}
